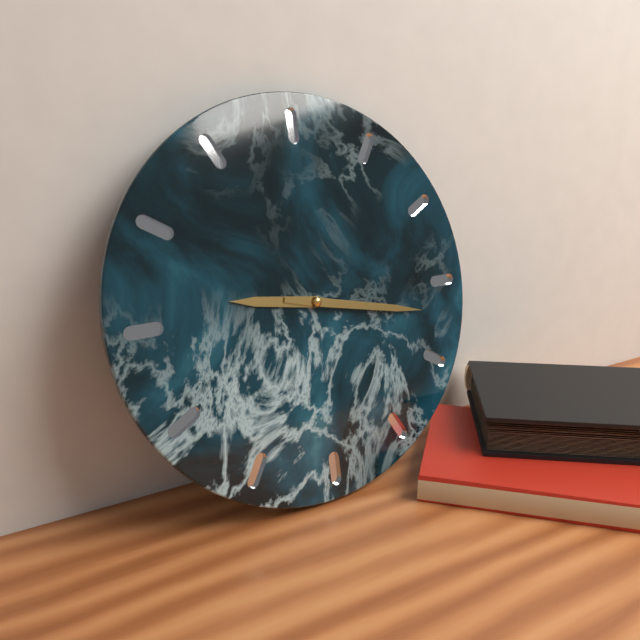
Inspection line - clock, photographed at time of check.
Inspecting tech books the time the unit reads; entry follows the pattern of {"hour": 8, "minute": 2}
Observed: {"hour": 9, "minute": 17}
